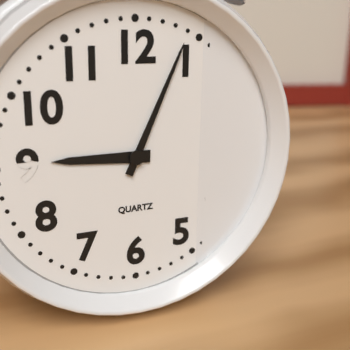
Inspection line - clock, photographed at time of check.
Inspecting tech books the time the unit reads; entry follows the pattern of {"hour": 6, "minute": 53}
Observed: {"hour": 9, "minute": 4}
